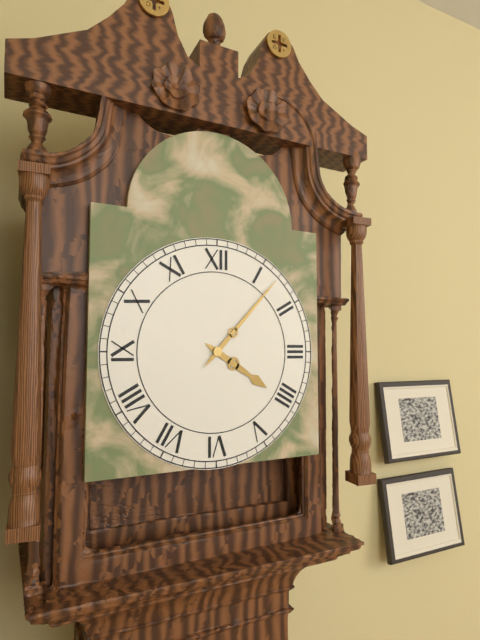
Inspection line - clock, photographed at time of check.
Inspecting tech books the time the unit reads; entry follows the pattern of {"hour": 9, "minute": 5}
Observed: {"hour": 4, "minute": 7}
